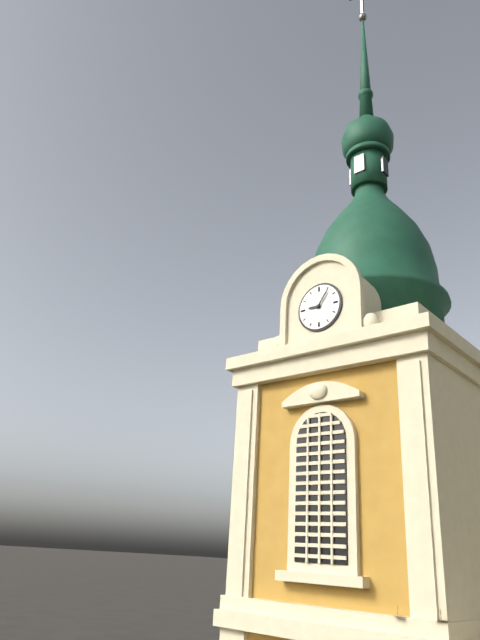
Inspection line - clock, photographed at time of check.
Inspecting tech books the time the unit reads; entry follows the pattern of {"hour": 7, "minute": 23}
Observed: {"hour": 9, "minute": 6}
